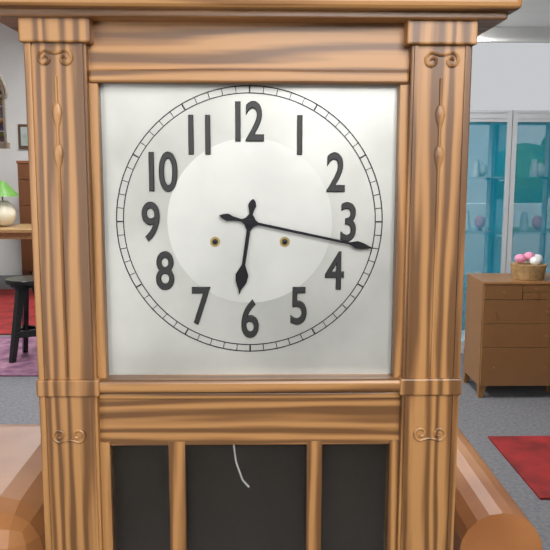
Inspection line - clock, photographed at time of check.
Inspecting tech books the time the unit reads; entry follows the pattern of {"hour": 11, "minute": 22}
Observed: {"hour": 6, "minute": 17}
